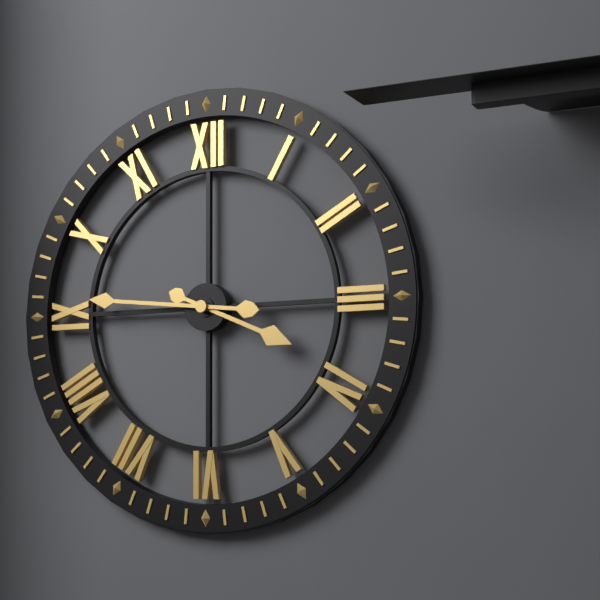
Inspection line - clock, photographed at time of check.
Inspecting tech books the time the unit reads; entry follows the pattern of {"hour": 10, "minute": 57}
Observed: {"hour": 3, "minute": 46}
